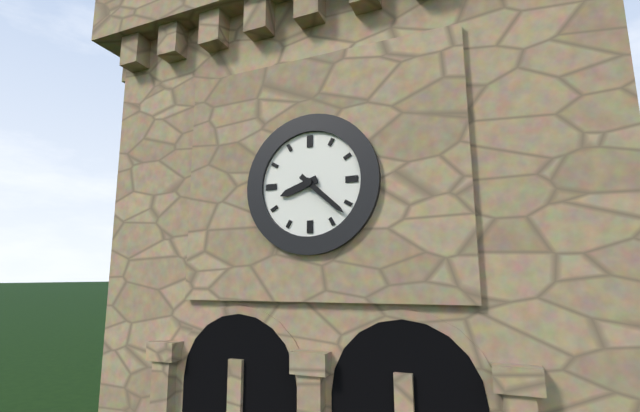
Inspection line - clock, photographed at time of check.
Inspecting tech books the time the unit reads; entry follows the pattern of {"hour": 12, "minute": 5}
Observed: {"hour": 8, "minute": 22}
